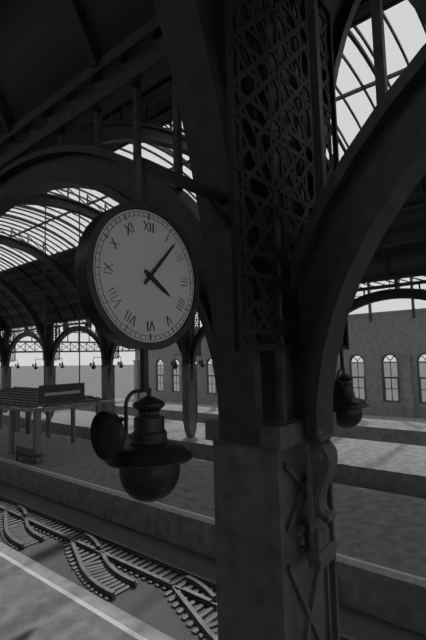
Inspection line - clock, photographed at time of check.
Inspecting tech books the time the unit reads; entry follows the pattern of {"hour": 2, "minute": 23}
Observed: {"hour": 4, "minute": 7}
